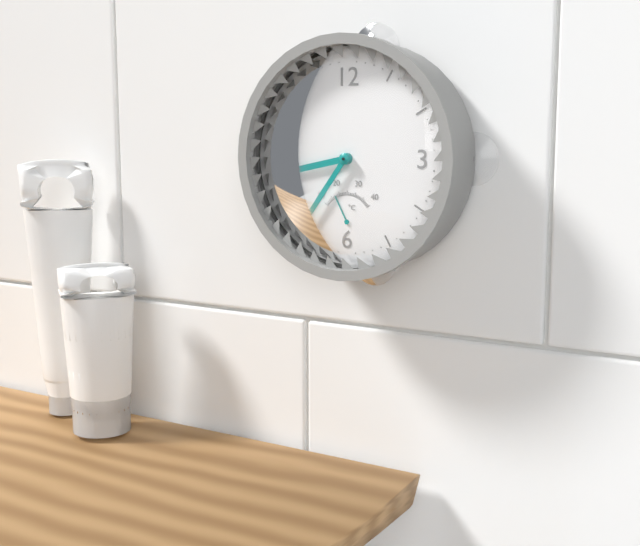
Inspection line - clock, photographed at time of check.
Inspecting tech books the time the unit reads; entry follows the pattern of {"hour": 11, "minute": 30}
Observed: {"hour": 8, "minute": 36}
